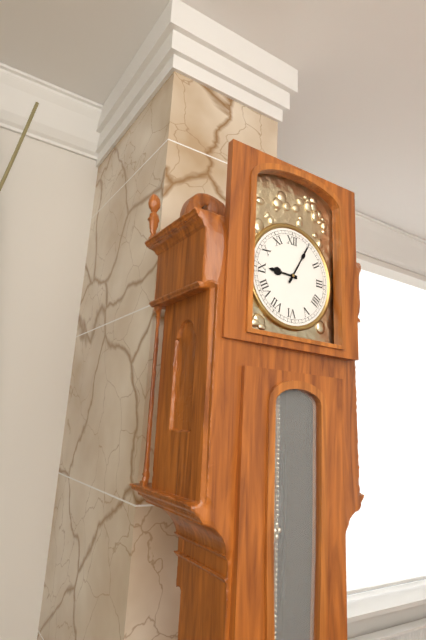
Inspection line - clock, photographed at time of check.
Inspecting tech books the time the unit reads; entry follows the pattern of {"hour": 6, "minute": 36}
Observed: {"hour": 9, "minute": 5}
